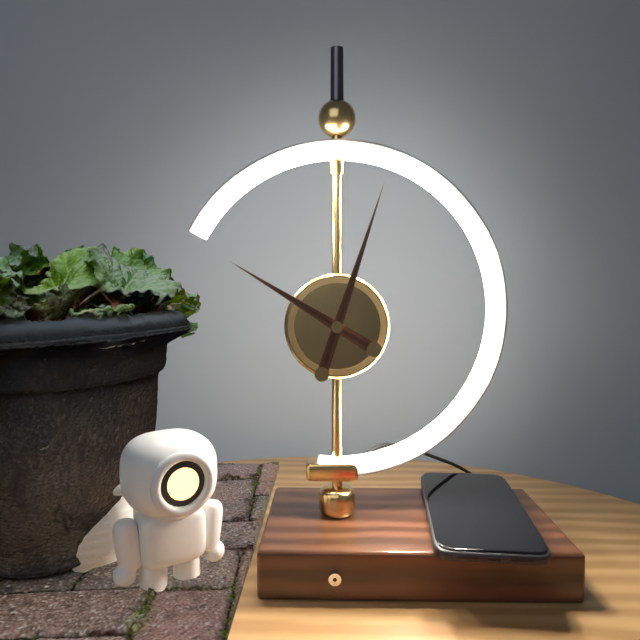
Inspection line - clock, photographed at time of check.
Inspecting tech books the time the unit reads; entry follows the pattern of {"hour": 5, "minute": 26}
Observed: {"hour": 10, "minute": 3}
